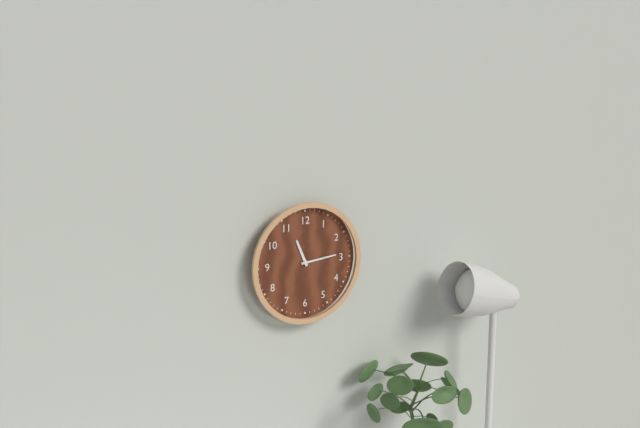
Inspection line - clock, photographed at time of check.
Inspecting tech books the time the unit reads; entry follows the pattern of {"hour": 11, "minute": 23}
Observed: {"hour": 11, "minute": 14}
